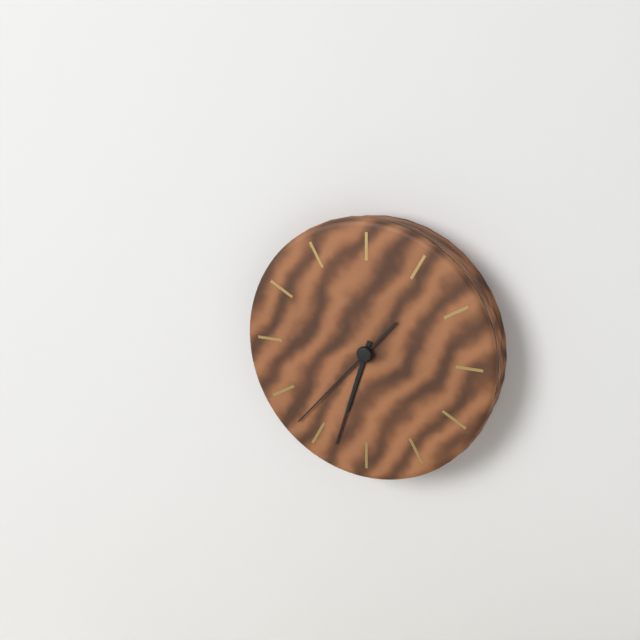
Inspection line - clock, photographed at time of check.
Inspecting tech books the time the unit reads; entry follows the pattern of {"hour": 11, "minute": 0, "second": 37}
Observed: {"hour": 6, "minute": 33, "second": 37}
